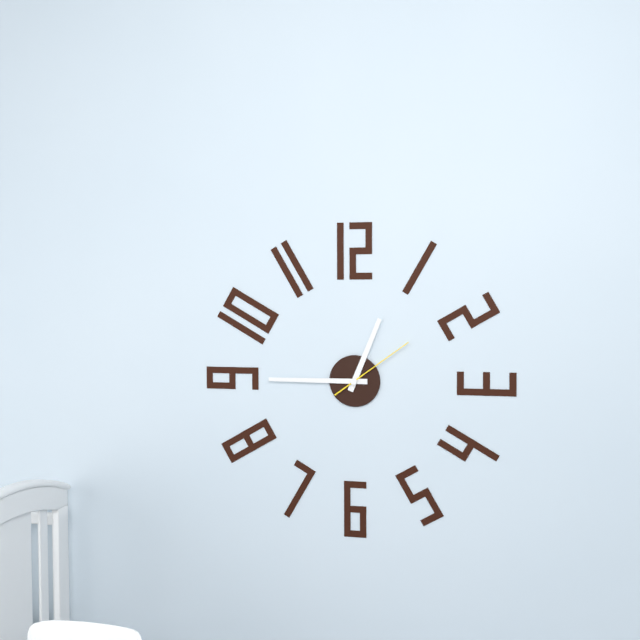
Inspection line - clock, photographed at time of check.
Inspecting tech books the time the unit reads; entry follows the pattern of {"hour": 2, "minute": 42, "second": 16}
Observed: {"hour": 12, "minute": 45, "second": 9}
